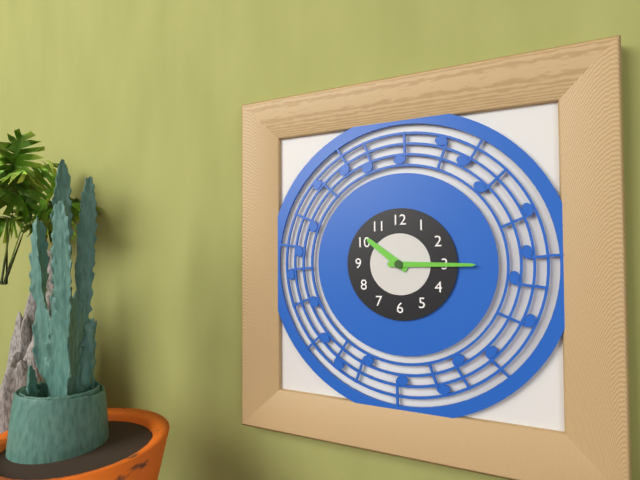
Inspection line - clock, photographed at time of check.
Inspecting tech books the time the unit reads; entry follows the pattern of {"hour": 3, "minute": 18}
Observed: {"hour": 10, "minute": 15}
